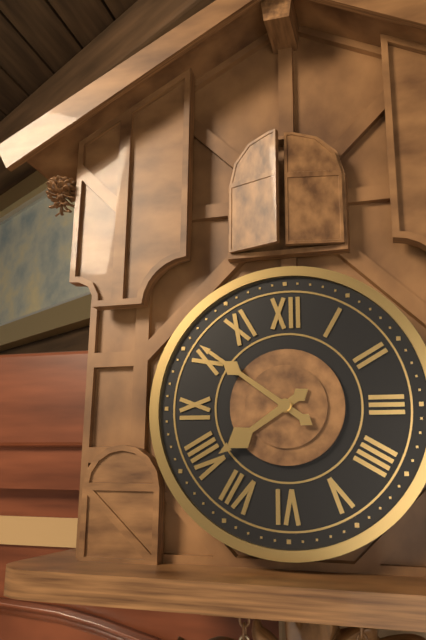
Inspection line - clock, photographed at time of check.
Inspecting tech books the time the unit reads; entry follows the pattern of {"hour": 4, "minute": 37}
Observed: {"hour": 7, "minute": 51}
